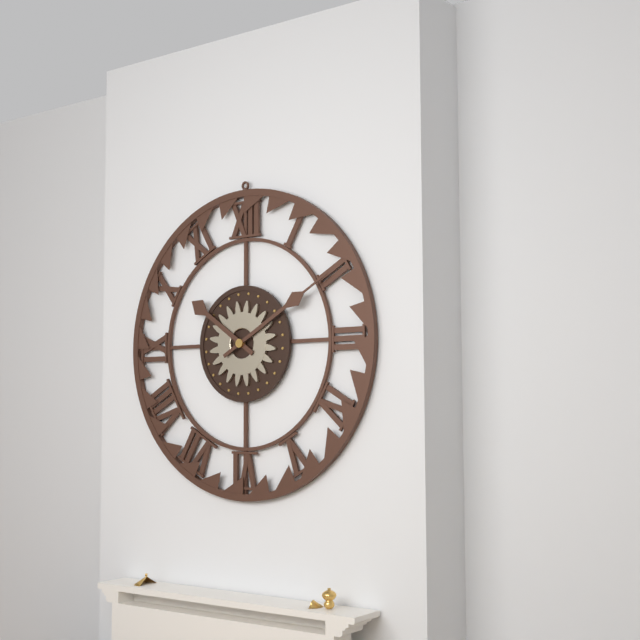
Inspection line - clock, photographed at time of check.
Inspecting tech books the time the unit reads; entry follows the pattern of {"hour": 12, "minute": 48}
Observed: {"hour": 10, "minute": 10}
